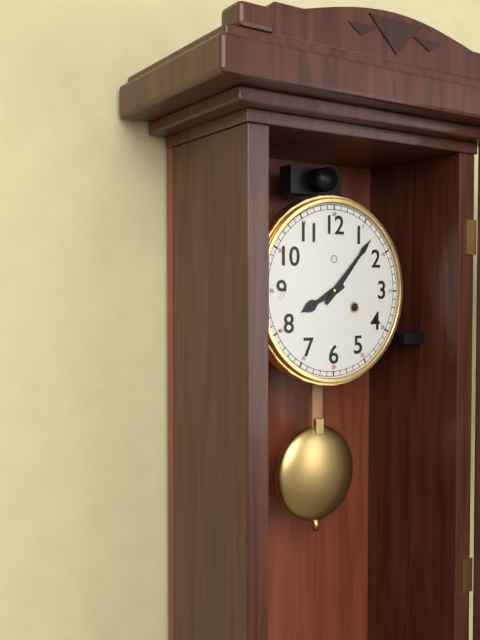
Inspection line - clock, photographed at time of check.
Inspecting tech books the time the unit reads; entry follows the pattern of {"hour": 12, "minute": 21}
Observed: {"hour": 8, "minute": 7}
